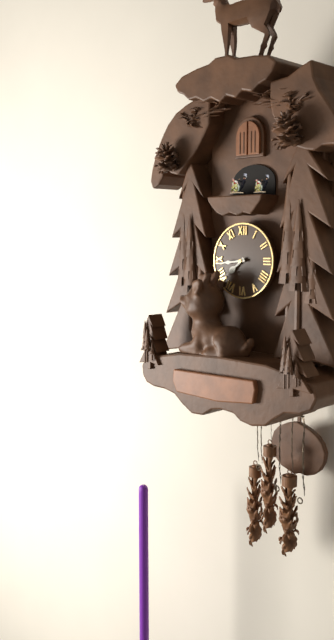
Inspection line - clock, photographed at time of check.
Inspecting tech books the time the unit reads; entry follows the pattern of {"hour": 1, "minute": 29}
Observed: {"hour": 7, "minute": 44}
